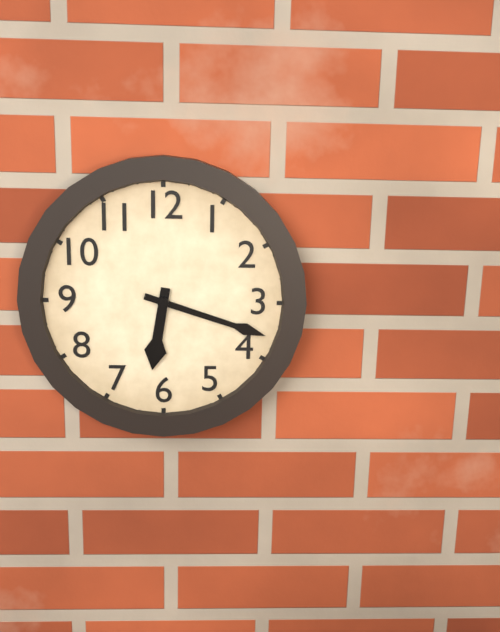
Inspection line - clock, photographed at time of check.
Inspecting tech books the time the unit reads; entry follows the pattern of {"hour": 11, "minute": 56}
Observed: {"hour": 6, "minute": 18}
